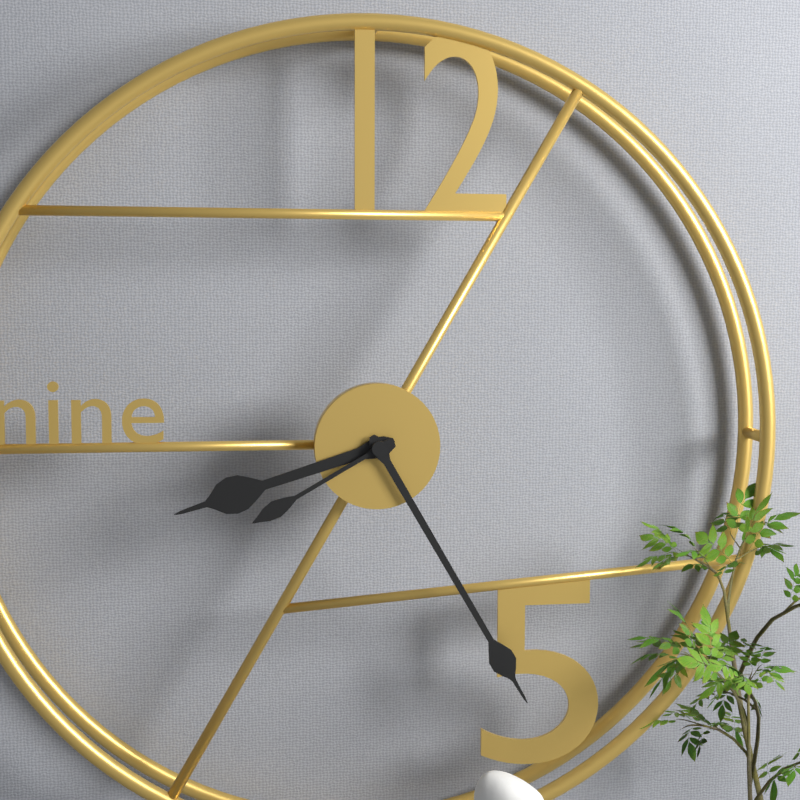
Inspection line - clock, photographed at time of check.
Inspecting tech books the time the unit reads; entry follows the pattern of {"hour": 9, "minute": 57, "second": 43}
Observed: {"hour": 8, "minute": 25, "second": 40}
